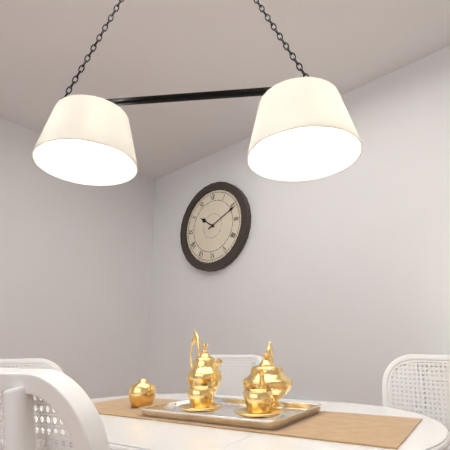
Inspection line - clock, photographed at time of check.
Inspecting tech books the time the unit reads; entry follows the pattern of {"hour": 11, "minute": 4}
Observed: {"hour": 10, "minute": 11}
